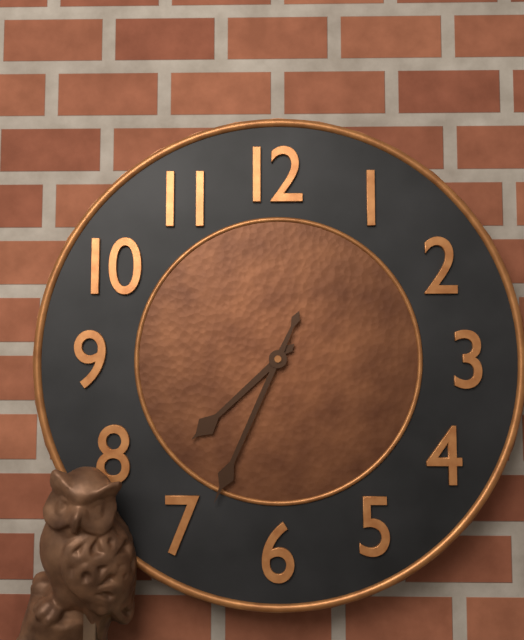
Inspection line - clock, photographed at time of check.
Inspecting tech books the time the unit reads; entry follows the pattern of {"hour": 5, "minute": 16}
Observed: {"hour": 7, "minute": 34}
